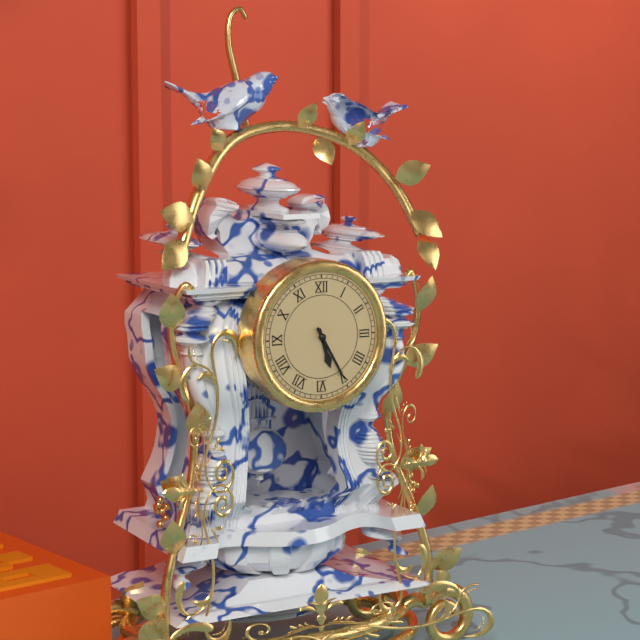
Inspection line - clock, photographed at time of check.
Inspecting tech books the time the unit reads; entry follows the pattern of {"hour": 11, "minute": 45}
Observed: {"hour": 5, "minute": 25}
